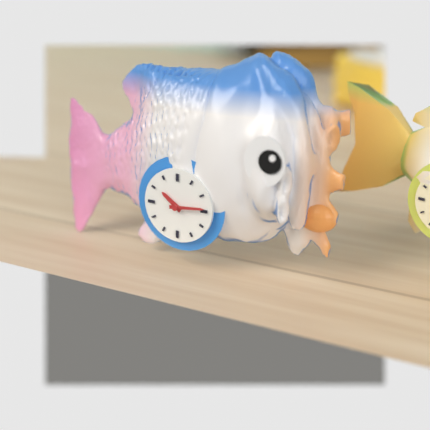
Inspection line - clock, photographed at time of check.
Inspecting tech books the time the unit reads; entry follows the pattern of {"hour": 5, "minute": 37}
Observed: {"hour": 10, "minute": 14}
